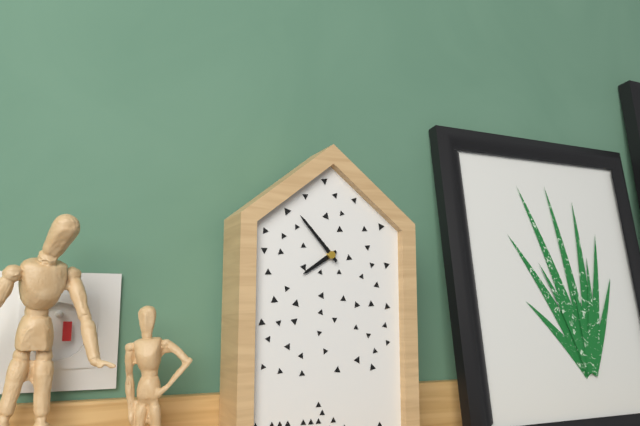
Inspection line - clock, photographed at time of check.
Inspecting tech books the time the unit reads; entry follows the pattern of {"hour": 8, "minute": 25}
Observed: {"hour": 7, "minute": 53}
